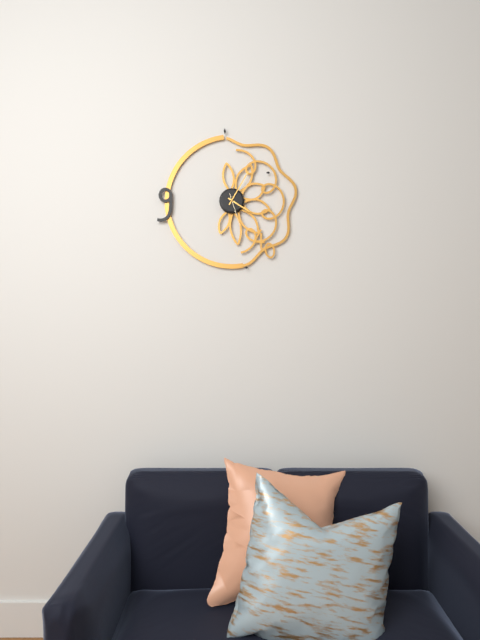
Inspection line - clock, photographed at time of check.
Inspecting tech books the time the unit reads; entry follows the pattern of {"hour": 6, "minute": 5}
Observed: {"hour": 4, "minute": 5}
